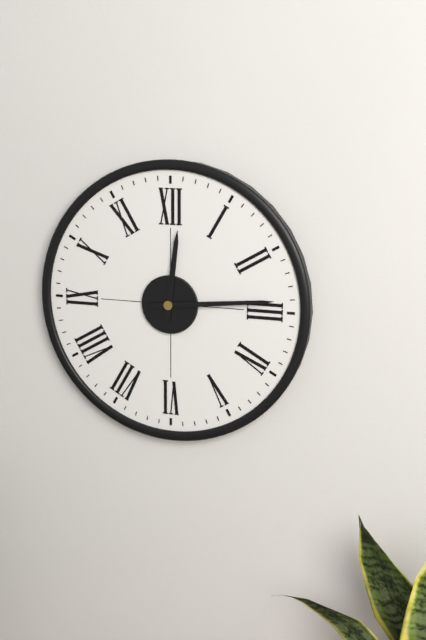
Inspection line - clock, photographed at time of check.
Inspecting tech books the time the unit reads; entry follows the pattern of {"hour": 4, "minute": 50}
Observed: {"hour": 12, "minute": 14}
